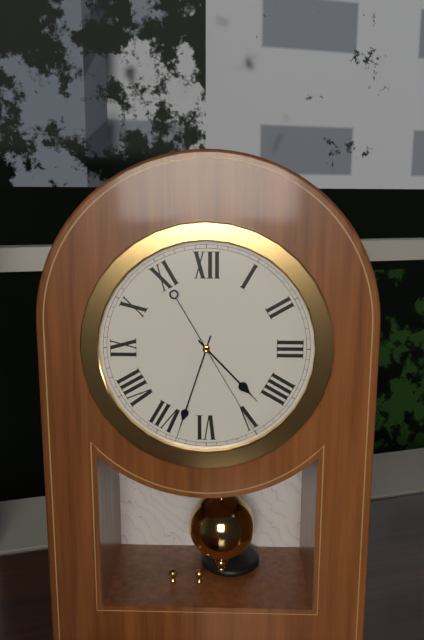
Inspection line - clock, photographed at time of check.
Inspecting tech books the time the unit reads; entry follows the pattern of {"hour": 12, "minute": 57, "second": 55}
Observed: {"hour": 4, "minute": 33, "second": 25}
